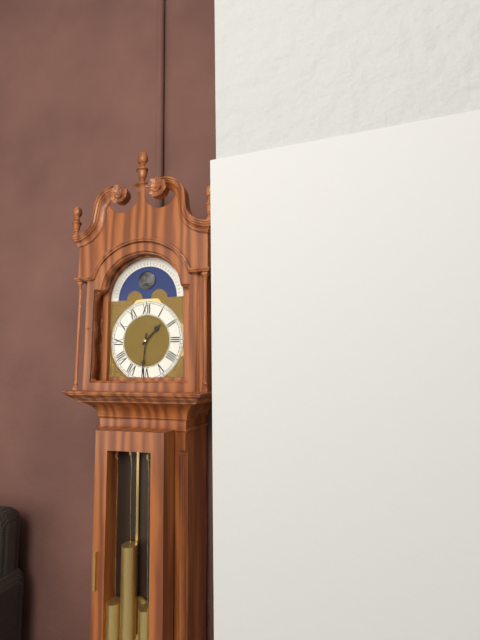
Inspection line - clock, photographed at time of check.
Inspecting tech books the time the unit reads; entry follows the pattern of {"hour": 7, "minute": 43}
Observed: {"hour": 1, "minute": 31}
